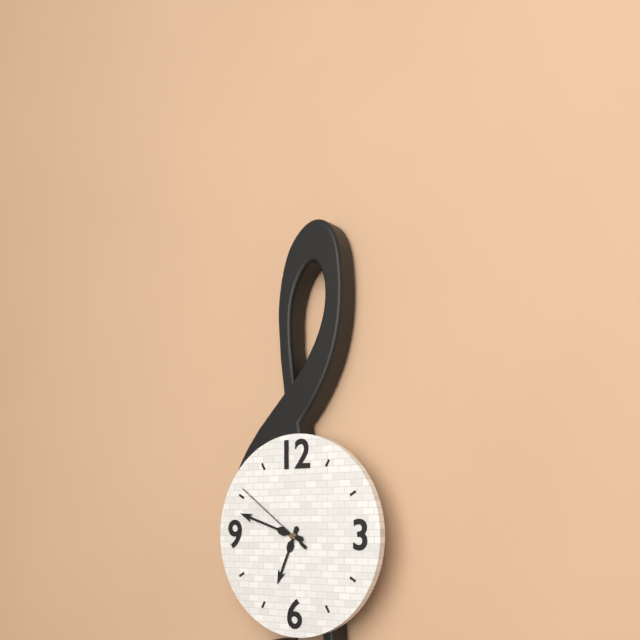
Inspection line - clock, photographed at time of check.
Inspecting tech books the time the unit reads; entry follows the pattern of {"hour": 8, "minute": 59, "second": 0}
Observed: {"hour": 6, "minute": 48, "second": 51}
